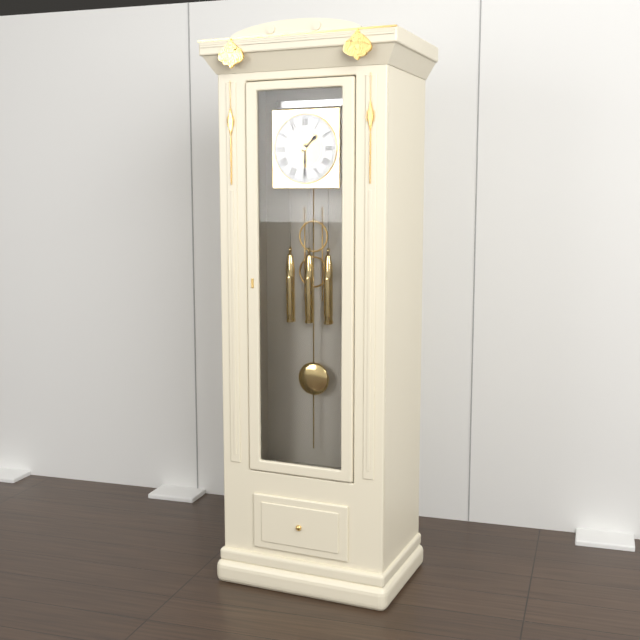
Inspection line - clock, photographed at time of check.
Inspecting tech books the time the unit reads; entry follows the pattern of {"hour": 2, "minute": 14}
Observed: {"hour": 1, "minute": 30}
